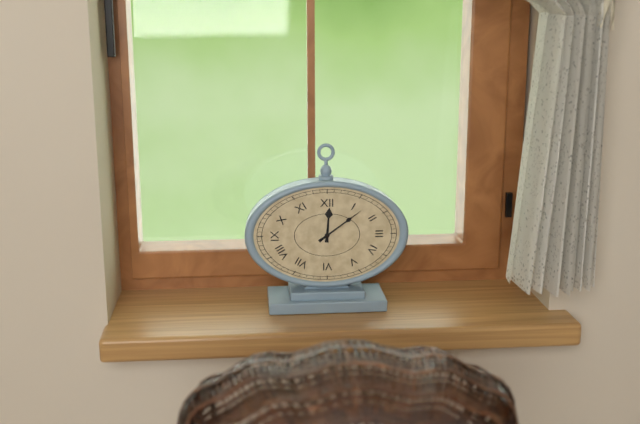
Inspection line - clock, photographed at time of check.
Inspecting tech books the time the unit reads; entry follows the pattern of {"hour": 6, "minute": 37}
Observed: {"hour": 12, "minute": 9}
